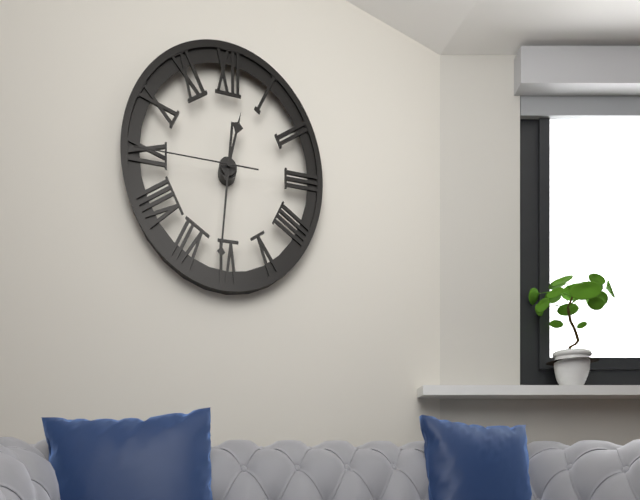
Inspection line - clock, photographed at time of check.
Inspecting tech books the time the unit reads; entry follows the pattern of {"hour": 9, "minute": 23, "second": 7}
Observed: {"hour": 12, "minute": 31, "second": 45}
